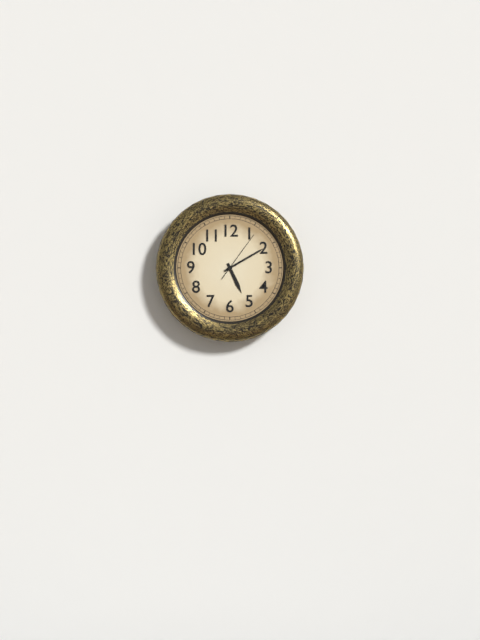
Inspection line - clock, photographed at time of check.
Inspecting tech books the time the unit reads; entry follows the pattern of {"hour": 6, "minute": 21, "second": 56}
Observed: {"hour": 5, "minute": 10, "second": 6}
